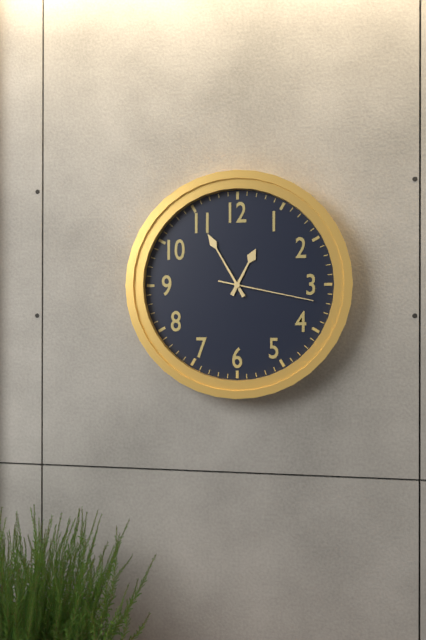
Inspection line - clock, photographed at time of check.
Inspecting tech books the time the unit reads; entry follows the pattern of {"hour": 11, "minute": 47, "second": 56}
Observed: {"hour": 12, "minute": 55, "second": 17}
